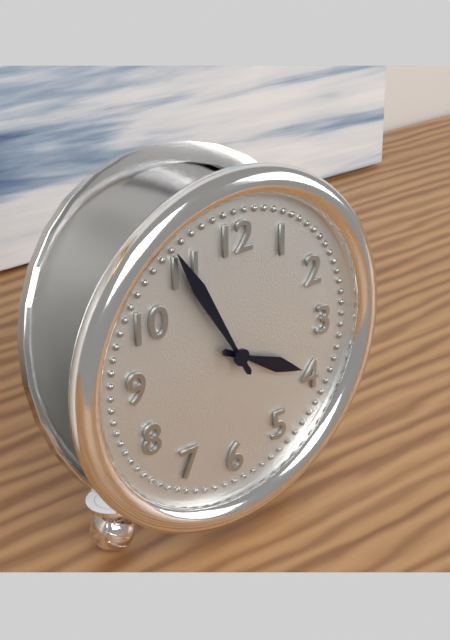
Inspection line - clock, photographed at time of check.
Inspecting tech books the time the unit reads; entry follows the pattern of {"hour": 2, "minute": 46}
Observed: {"hour": 3, "minute": 55}
